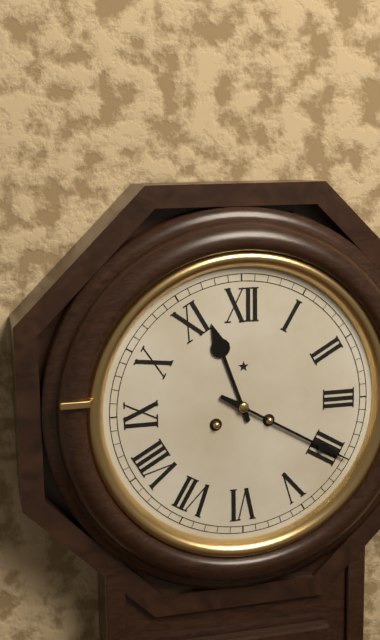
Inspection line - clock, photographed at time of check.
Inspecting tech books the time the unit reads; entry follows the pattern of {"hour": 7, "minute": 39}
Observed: {"hour": 11, "minute": 20}
